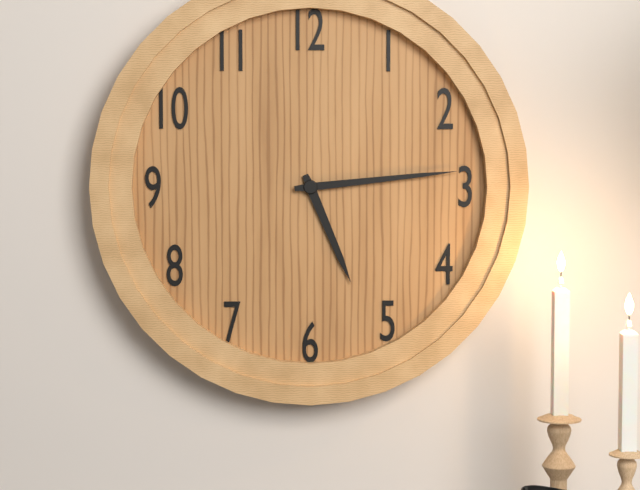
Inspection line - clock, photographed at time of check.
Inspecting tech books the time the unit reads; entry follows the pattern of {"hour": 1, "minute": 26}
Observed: {"hour": 5, "minute": 14}
